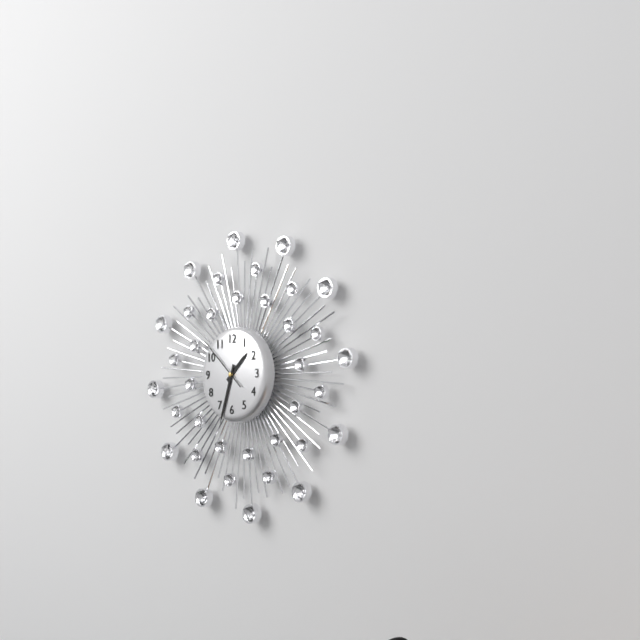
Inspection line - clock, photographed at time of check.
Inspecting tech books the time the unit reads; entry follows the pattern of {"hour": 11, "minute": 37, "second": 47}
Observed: {"hour": 1, "minute": 33, "second": 52}
